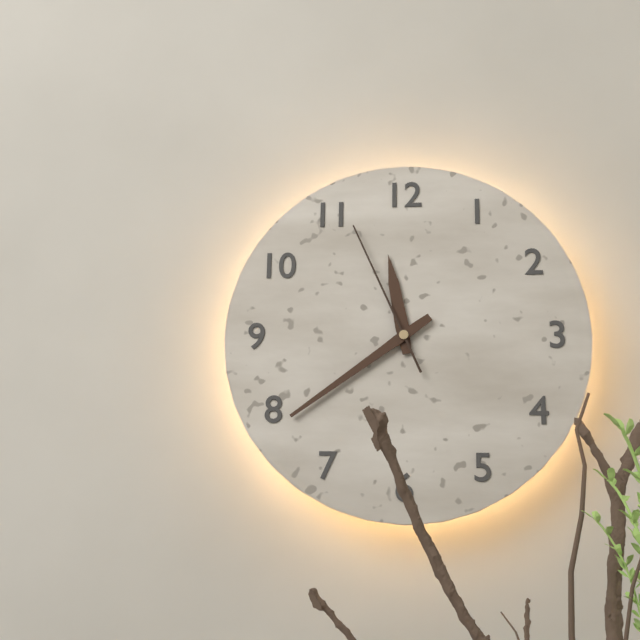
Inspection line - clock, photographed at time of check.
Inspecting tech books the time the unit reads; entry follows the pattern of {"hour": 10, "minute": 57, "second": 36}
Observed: {"hour": 11, "minute": 39, "second": 56}
